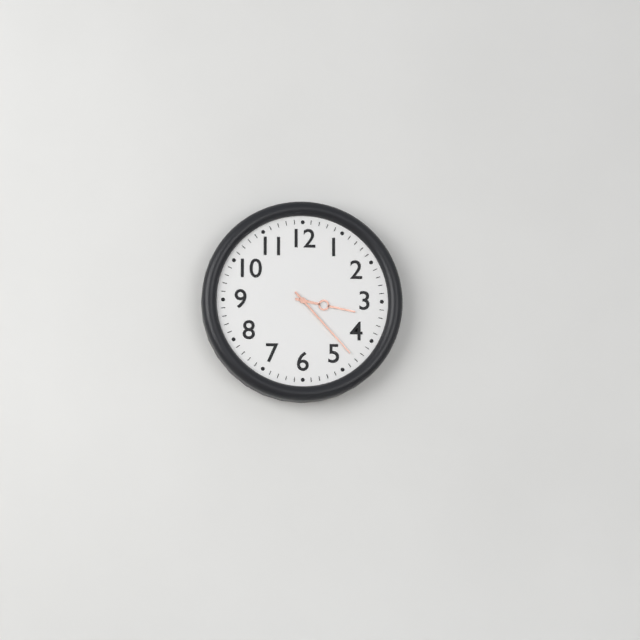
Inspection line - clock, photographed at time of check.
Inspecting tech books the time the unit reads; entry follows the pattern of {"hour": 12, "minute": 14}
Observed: {"hour": 3, "minute": 23}
